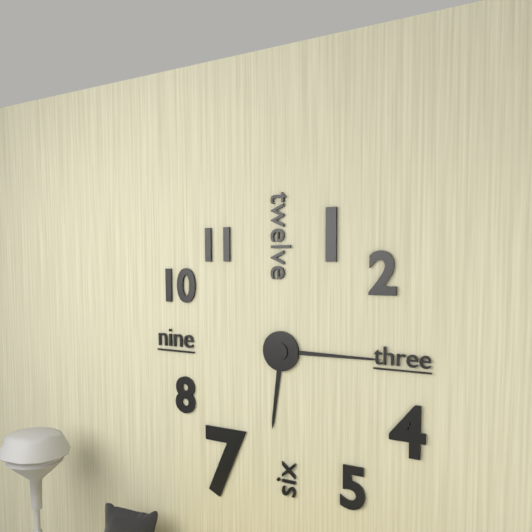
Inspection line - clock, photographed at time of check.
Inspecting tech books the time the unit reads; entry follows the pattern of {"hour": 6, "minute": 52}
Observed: {"hour": 6, "minute": 15}
